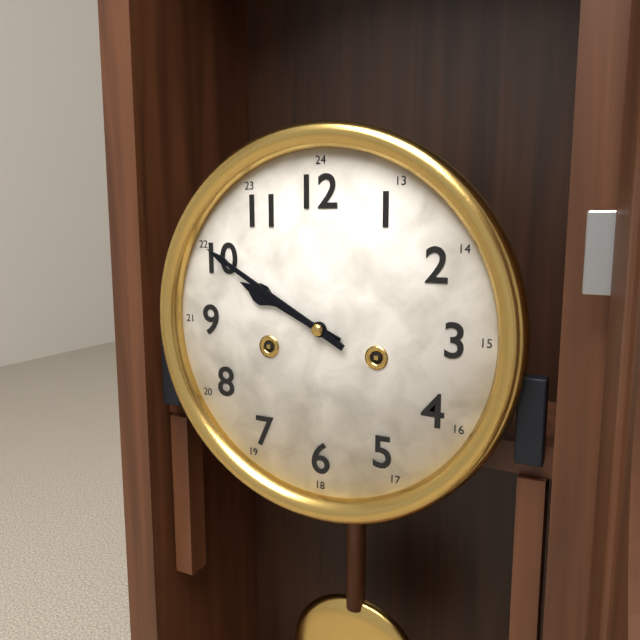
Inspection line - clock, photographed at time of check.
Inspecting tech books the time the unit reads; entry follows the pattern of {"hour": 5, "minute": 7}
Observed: {"hour": 9, "minute": 50}
